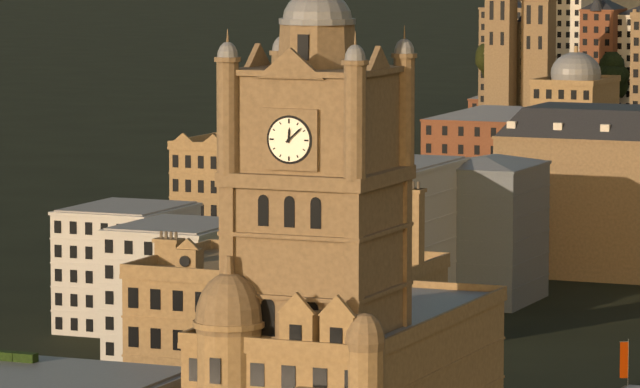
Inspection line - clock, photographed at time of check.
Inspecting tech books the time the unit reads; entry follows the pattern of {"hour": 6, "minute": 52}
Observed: {"hour": 12, "minute": 8}
